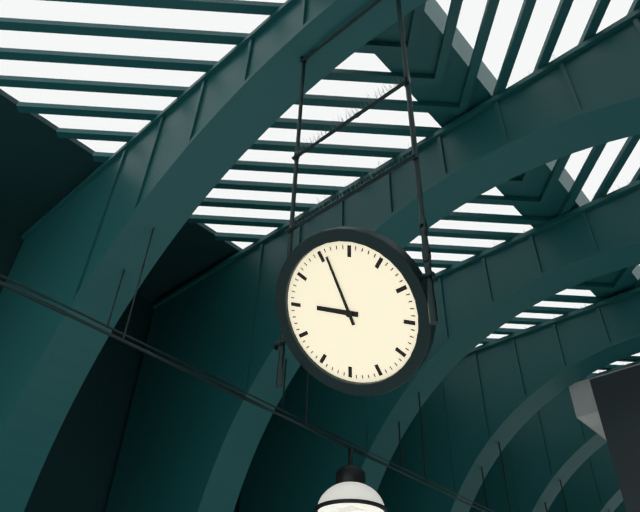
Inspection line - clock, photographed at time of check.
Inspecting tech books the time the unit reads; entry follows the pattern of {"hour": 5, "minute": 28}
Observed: {"hour": 10, "minute": 1}
